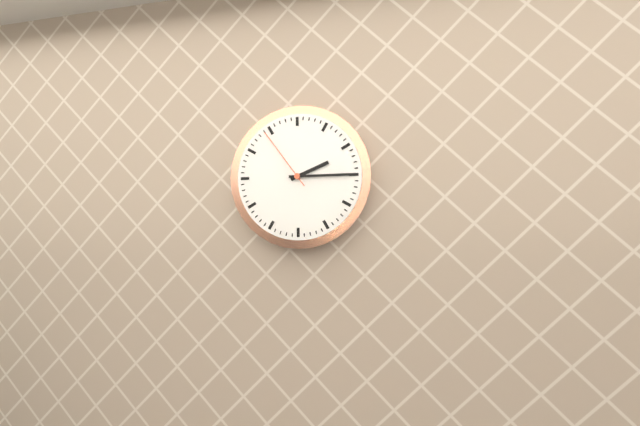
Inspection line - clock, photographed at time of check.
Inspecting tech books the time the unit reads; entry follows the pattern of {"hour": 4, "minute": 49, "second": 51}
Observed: {"hour": 2, "minute": 15, "second": 54}
